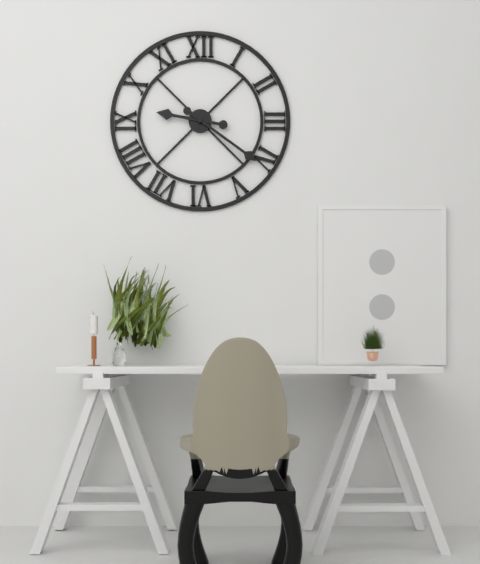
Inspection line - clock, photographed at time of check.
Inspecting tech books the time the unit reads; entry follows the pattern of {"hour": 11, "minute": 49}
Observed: {"hour": 9, "minute": 21}
